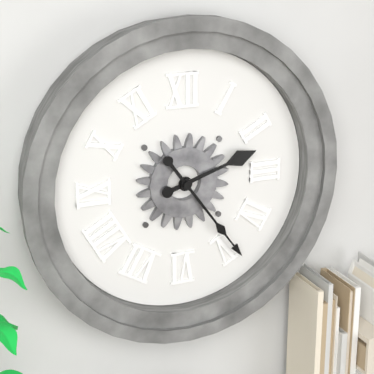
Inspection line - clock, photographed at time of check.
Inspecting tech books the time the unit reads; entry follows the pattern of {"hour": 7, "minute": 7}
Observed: {"hour": 2, "minute": 24}
